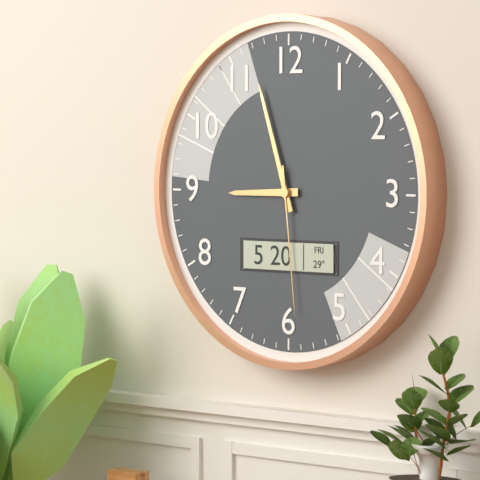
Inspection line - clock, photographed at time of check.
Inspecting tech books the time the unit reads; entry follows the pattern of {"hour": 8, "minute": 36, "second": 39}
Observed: {"hour": 8, "minute": 57, "second": 29}
